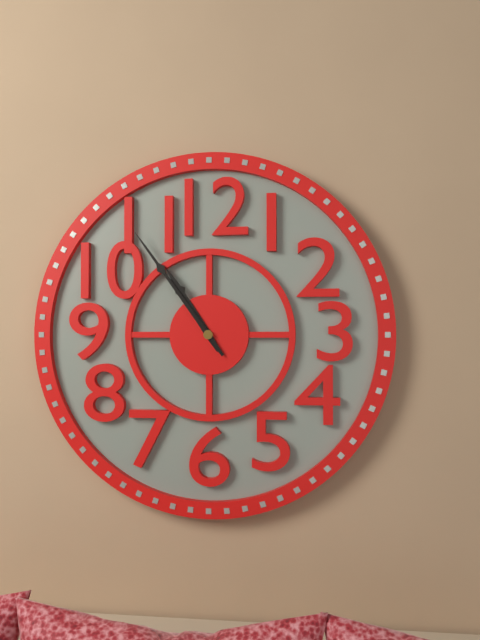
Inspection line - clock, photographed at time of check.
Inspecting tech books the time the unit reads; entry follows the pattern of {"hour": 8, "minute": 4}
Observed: {"hour": 10, "minute": 54}
